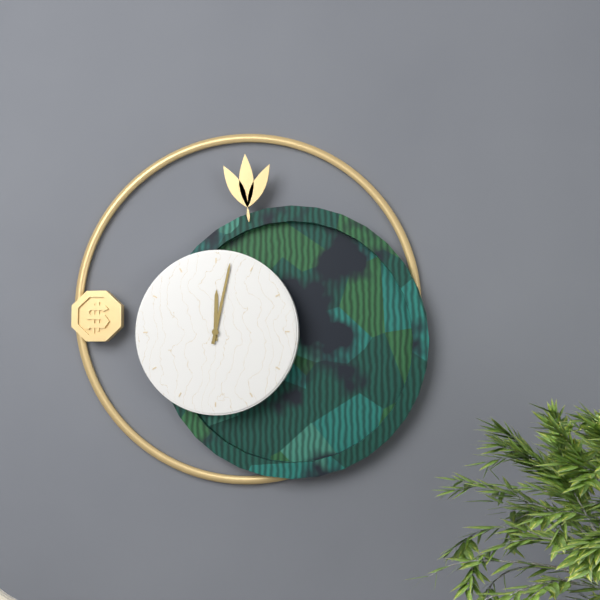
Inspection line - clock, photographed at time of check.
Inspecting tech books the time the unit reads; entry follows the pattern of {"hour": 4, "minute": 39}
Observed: {"hour": 12, "minute": 2}
